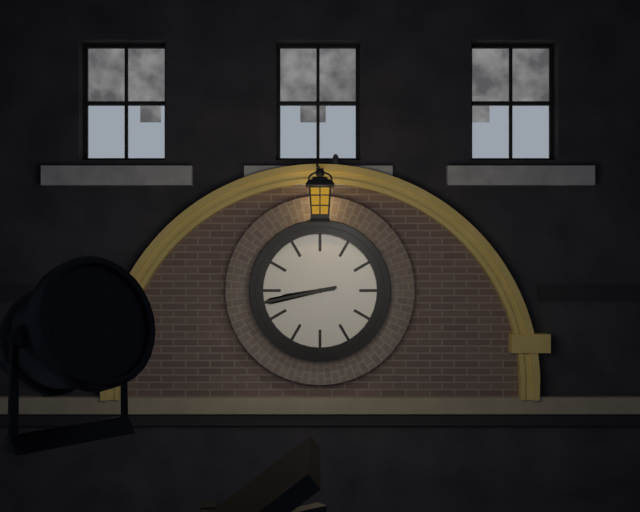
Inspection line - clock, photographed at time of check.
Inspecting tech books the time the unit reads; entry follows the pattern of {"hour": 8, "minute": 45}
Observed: {"hour": 8, "minute": 43}
